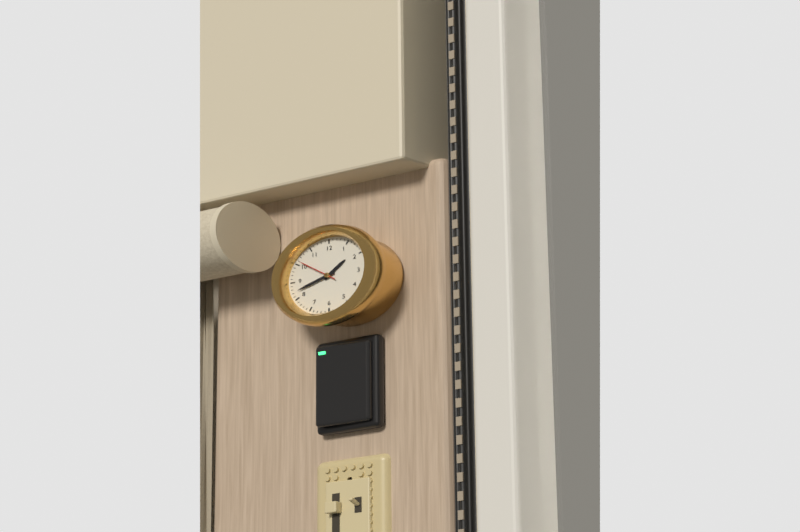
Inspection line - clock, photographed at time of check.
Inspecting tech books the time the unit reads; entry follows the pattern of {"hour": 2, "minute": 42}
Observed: {"hour": 1, "minute": 42}
